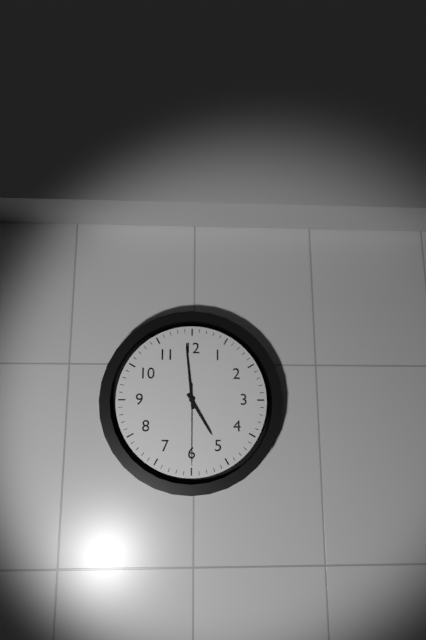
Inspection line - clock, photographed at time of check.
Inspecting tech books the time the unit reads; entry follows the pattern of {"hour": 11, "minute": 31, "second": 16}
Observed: {"hour": 4, "minute": 59, "second": 30}
